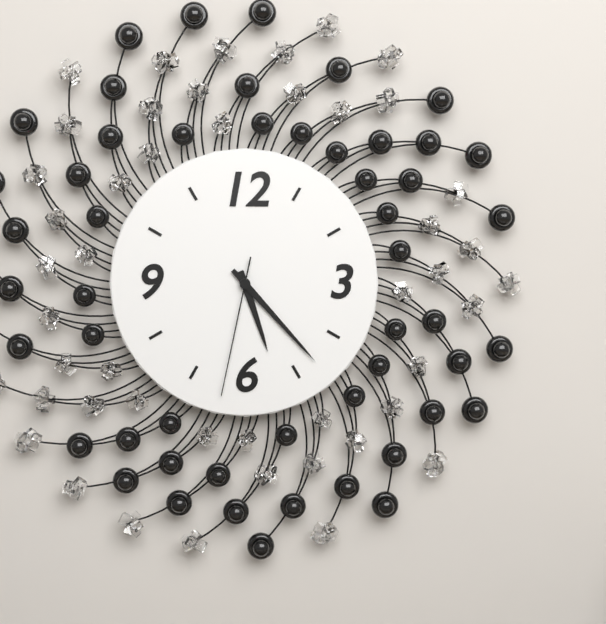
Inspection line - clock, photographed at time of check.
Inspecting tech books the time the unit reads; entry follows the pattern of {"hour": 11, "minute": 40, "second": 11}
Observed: {"hour": 5, "minute": 23, "second": 32}
